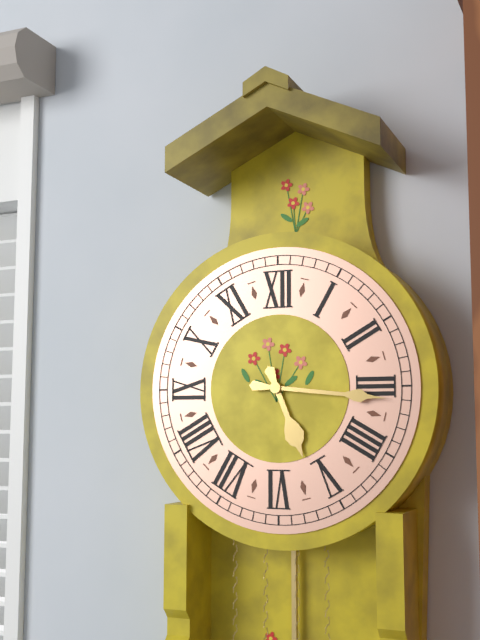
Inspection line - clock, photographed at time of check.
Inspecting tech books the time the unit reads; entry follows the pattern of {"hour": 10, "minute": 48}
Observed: {"hour": 5, "minute": 16}
